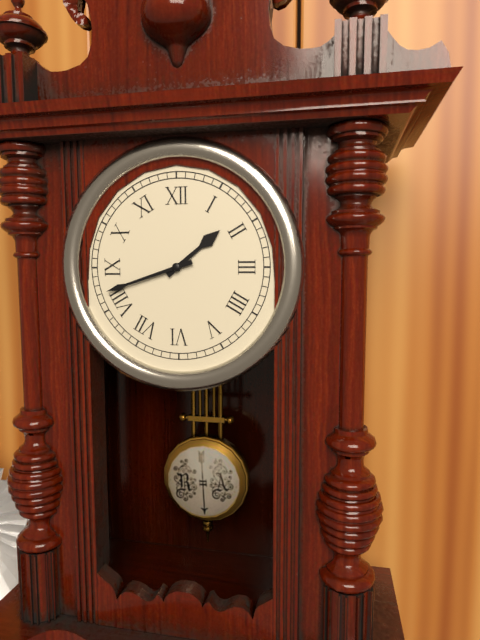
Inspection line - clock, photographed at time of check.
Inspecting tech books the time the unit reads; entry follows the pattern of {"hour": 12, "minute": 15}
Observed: {"hour": 1, "minute": 42}
